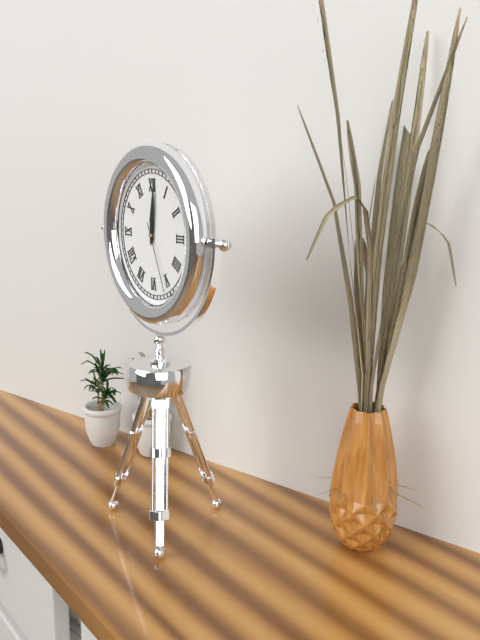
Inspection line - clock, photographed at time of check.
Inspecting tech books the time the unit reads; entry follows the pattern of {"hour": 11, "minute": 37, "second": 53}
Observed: {"hour": 12, "minute": 1, "second": 26}
